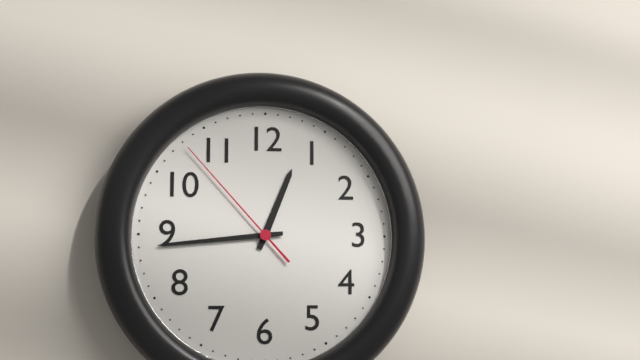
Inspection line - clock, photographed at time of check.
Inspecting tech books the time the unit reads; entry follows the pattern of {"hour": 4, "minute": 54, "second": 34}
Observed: {"hour": 12, "minute": 44, "second": 53}
